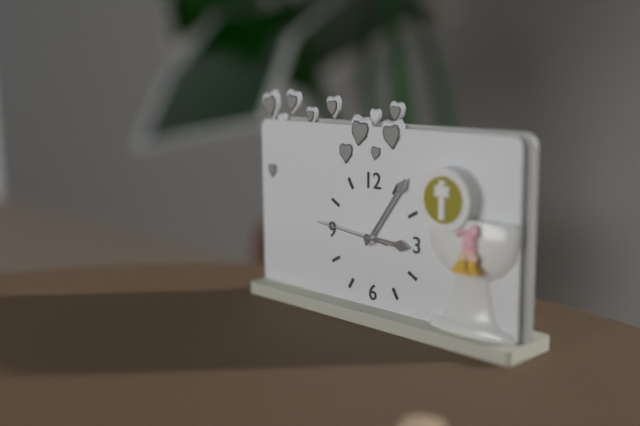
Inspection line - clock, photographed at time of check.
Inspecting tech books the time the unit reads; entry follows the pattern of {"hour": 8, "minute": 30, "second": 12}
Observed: {"hour": 3, "minute": 6, "second": 46}
